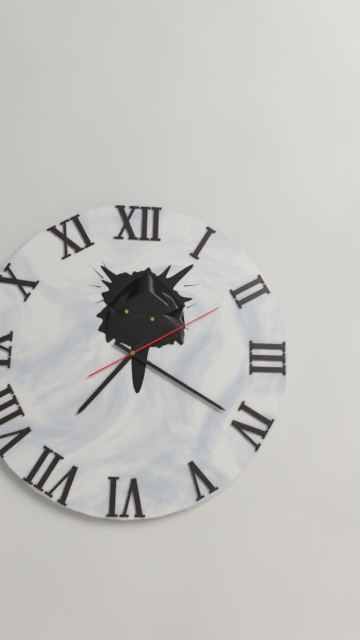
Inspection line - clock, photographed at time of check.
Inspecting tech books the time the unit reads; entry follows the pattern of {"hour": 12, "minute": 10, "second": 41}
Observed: {"hour": 7, "minute": 20, "second": 10}
